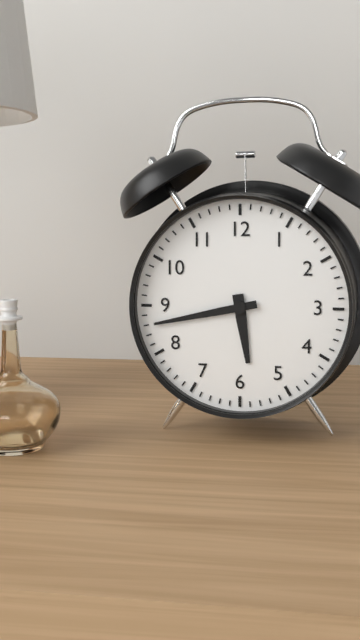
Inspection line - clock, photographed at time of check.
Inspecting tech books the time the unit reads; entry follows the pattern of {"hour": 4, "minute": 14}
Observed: {"hour": 5, "minute": 43}
